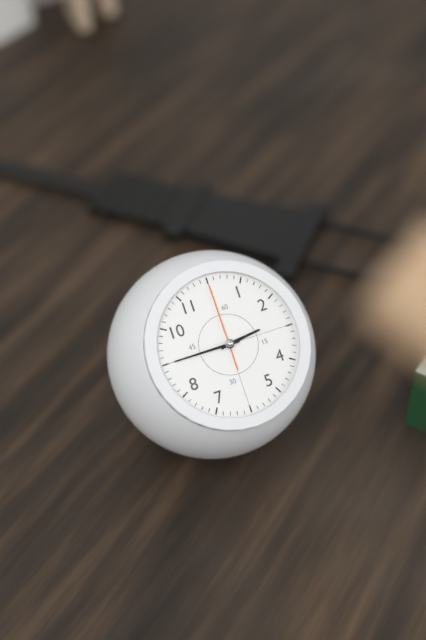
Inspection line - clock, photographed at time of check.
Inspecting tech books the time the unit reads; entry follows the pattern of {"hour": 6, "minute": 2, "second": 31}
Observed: {"hour": 2, "minute": 45, "second": 0}
